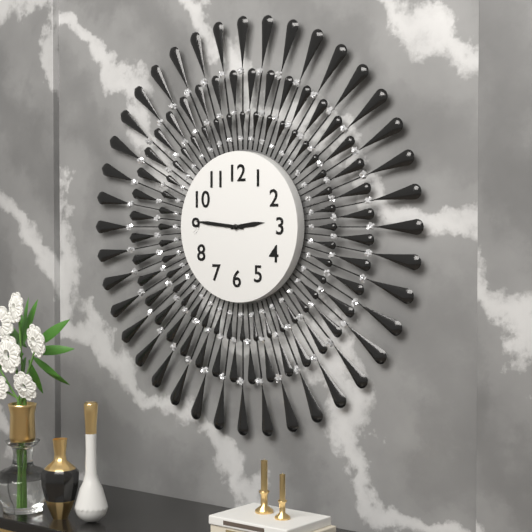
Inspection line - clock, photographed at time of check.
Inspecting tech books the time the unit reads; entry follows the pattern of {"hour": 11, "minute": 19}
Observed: {"hour": 2, "minute": 46}
